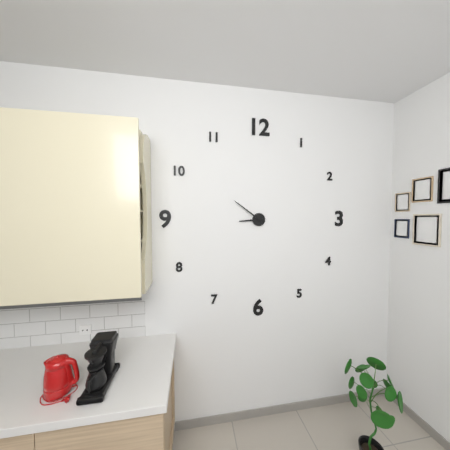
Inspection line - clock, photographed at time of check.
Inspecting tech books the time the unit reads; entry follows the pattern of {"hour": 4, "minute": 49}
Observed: {"hour": 8, "minute": 51}
